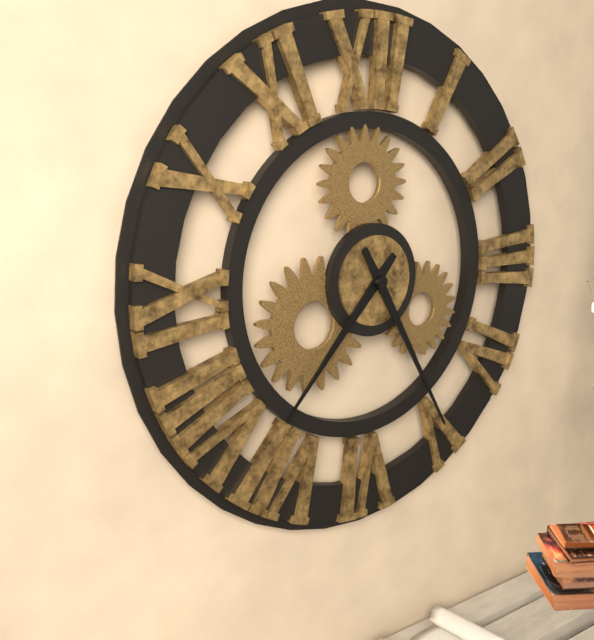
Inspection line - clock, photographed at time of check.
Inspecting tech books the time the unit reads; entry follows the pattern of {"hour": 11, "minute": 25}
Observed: {"hour": 7, "minute": 25}
